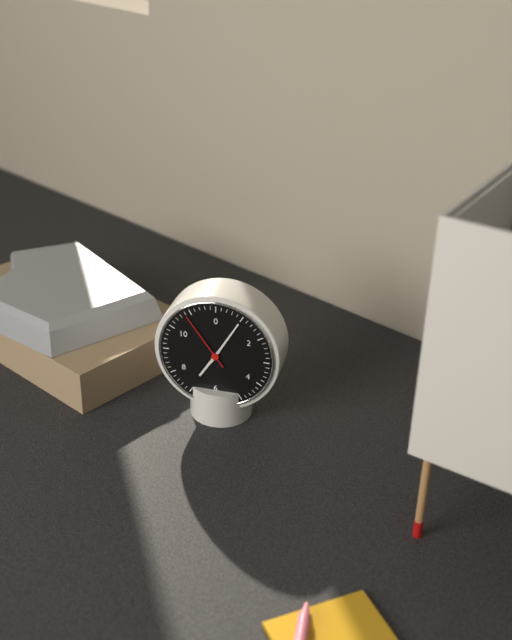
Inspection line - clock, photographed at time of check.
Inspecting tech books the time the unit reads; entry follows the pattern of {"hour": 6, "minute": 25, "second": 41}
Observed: {"hour": 7, "minute": 5, "second": 54}
